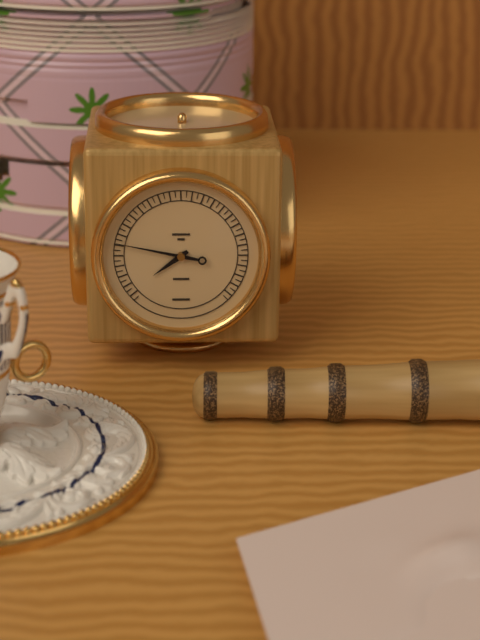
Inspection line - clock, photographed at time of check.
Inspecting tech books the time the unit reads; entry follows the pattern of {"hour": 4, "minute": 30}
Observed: {"hour": 7, "minute": 47}
